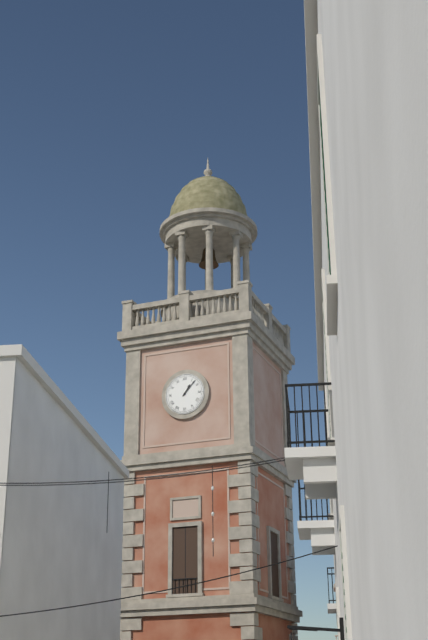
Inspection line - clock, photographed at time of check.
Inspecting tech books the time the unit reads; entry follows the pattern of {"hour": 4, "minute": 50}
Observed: {"hour": 1, "minute": 7}
